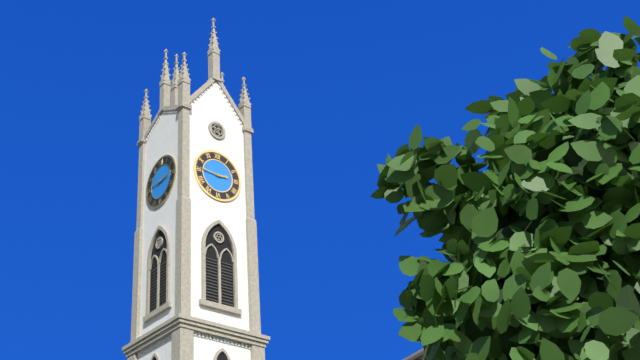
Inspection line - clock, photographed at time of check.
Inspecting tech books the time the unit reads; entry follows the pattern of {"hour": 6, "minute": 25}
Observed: {"hour": 2, "minute": 46}
